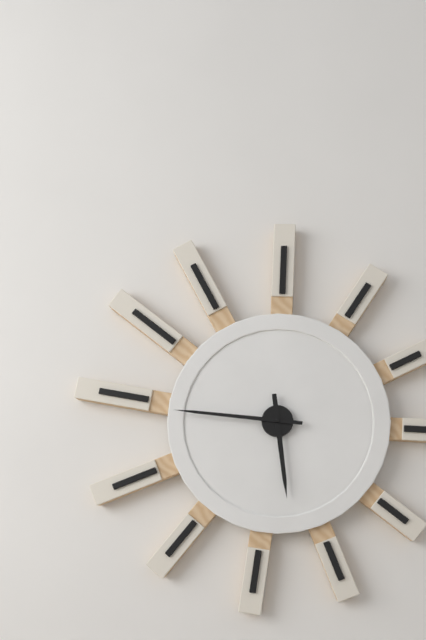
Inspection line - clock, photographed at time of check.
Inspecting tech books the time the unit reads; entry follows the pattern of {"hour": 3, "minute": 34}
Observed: {"hour": 5, "minute": 46}
